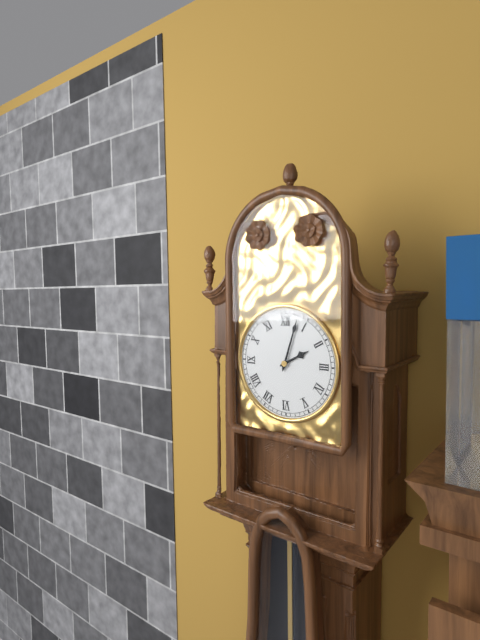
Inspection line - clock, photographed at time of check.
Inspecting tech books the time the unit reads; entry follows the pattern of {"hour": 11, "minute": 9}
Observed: {"hour": 2, "minute": 3}
